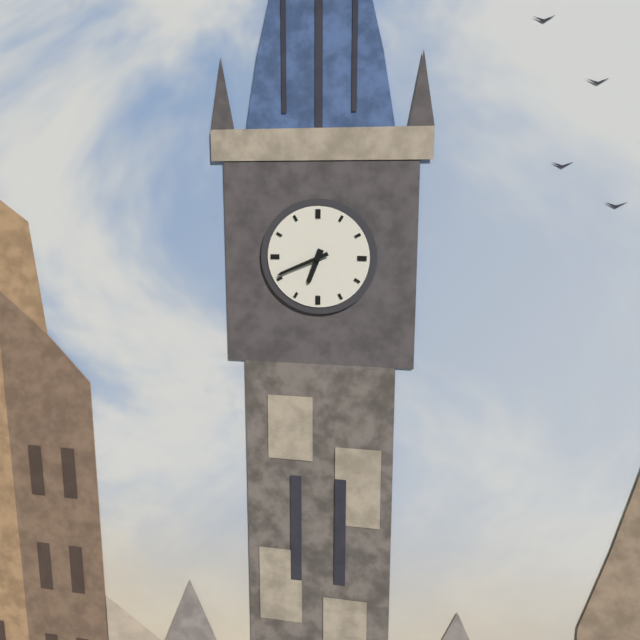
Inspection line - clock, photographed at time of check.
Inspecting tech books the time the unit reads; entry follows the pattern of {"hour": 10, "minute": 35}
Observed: {"hour": 6, "minute": 41}
